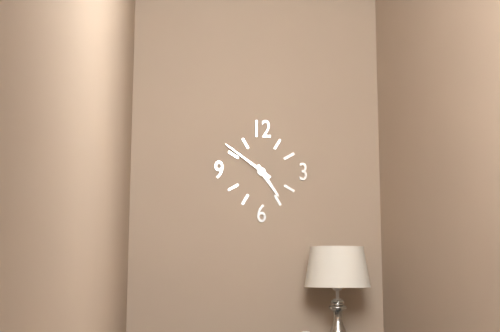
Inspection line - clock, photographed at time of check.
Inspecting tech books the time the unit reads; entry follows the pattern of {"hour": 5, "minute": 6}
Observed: {"hour": 4, "minute": 51}
